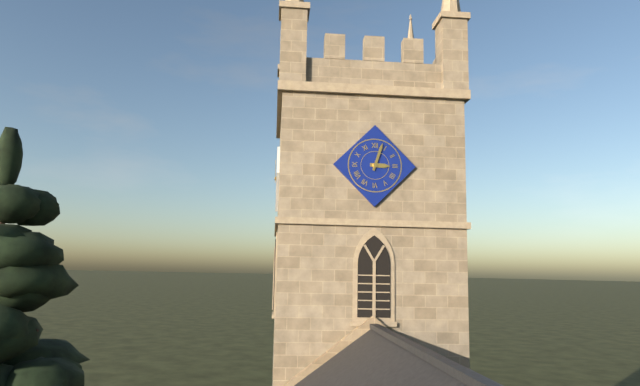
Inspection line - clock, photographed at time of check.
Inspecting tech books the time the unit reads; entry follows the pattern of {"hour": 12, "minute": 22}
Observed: {"hour": 3, "minute": 3}
